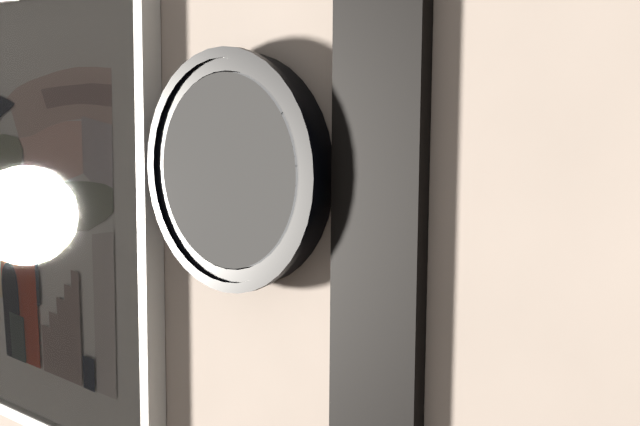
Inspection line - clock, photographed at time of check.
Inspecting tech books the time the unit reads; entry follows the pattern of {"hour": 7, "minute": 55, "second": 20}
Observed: {"hour": 7, "minute": 14, "second": 8}
